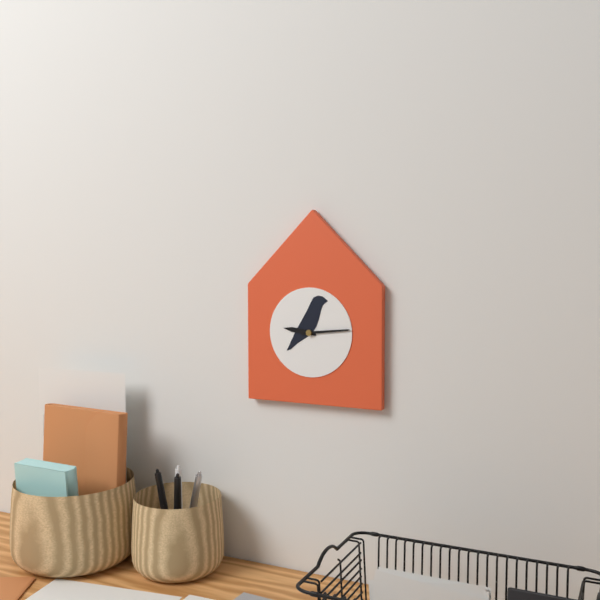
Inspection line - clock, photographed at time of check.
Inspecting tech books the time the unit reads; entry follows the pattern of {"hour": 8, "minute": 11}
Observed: {"hour": 9, "minute": 14}
